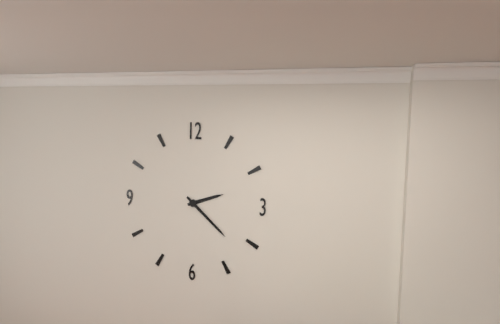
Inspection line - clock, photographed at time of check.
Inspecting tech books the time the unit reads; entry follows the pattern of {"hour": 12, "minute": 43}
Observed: {"hour": 2, "minute": 22}
